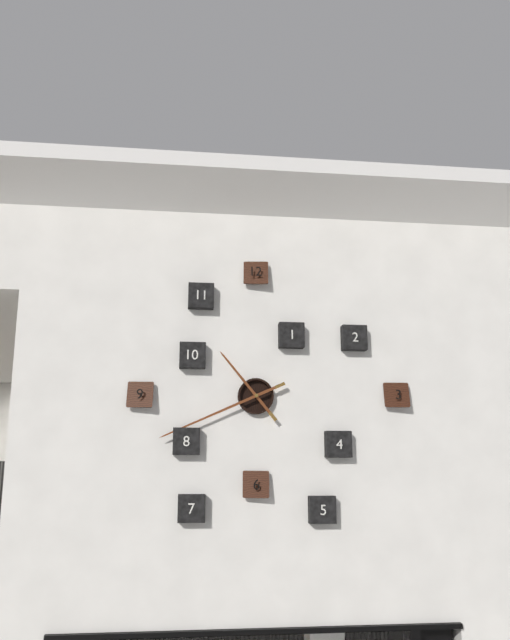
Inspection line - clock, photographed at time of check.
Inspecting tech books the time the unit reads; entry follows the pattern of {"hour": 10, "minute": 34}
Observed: {"hour": 10, "minute": 41}
